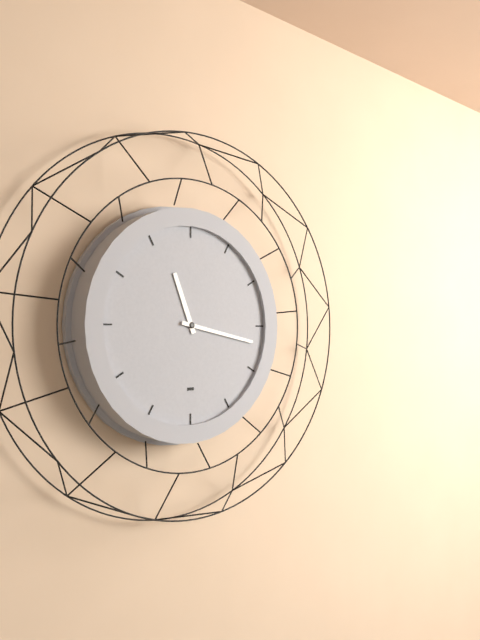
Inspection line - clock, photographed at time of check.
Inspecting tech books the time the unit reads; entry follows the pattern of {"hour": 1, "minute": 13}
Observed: {"hour": 11, "minute": 17}
